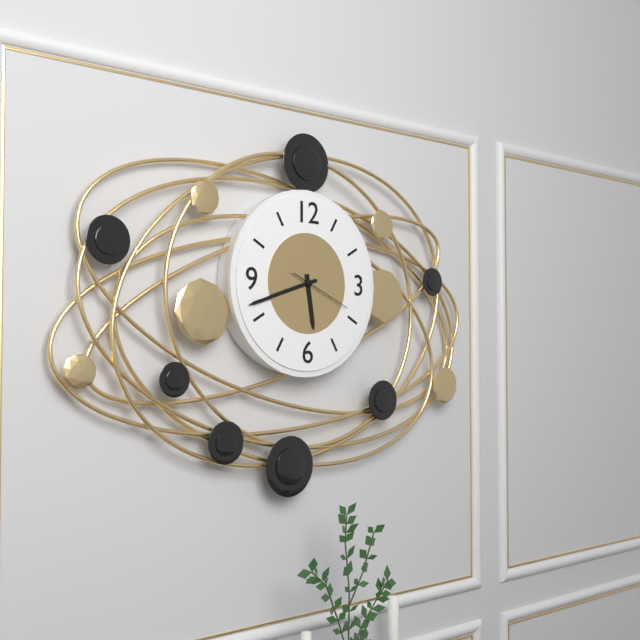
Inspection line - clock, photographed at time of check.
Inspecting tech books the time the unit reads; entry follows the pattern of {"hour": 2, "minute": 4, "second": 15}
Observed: {"hour": 5, "minute": 42, "second": 19}
